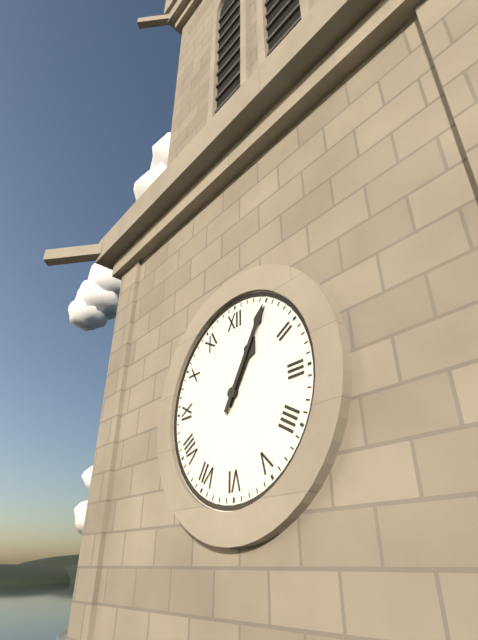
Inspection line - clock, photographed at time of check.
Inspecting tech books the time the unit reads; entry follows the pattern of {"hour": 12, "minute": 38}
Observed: {"hour": 1, "minute": 5}
